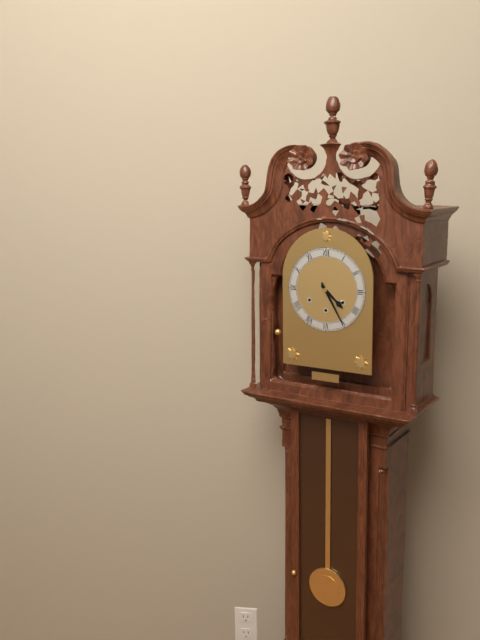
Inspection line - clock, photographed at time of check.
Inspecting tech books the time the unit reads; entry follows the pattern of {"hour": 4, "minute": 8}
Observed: {"hour": 4, "minute": 25}
